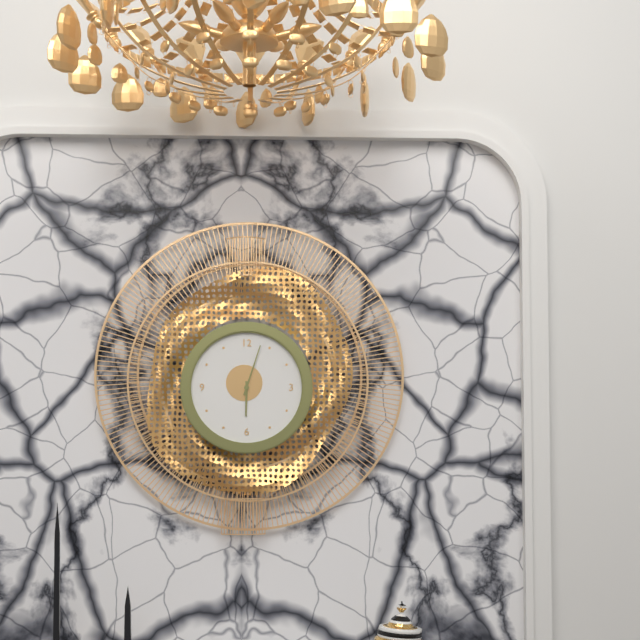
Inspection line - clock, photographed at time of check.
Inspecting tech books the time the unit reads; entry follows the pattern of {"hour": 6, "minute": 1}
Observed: {"hour": 6, "minute": 3}
